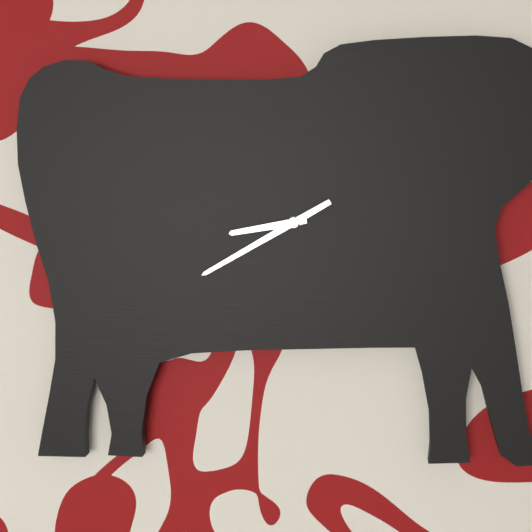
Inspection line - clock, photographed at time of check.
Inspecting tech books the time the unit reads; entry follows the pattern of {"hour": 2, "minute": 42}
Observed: {"hour": 8, "minute": 40}
